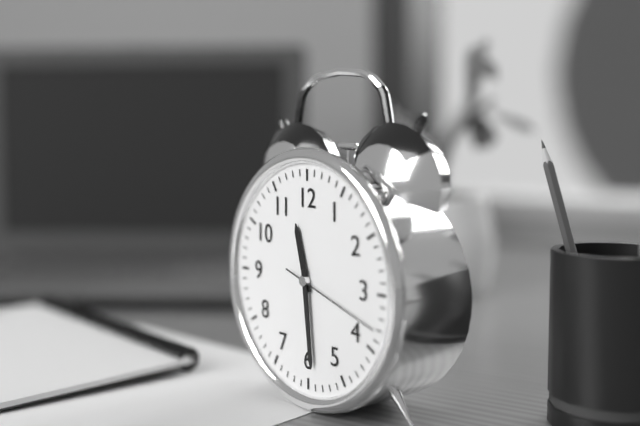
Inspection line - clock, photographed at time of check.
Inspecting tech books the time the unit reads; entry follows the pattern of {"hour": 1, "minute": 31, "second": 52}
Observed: {"hour": 11, "minute": 29, "second": 18}
